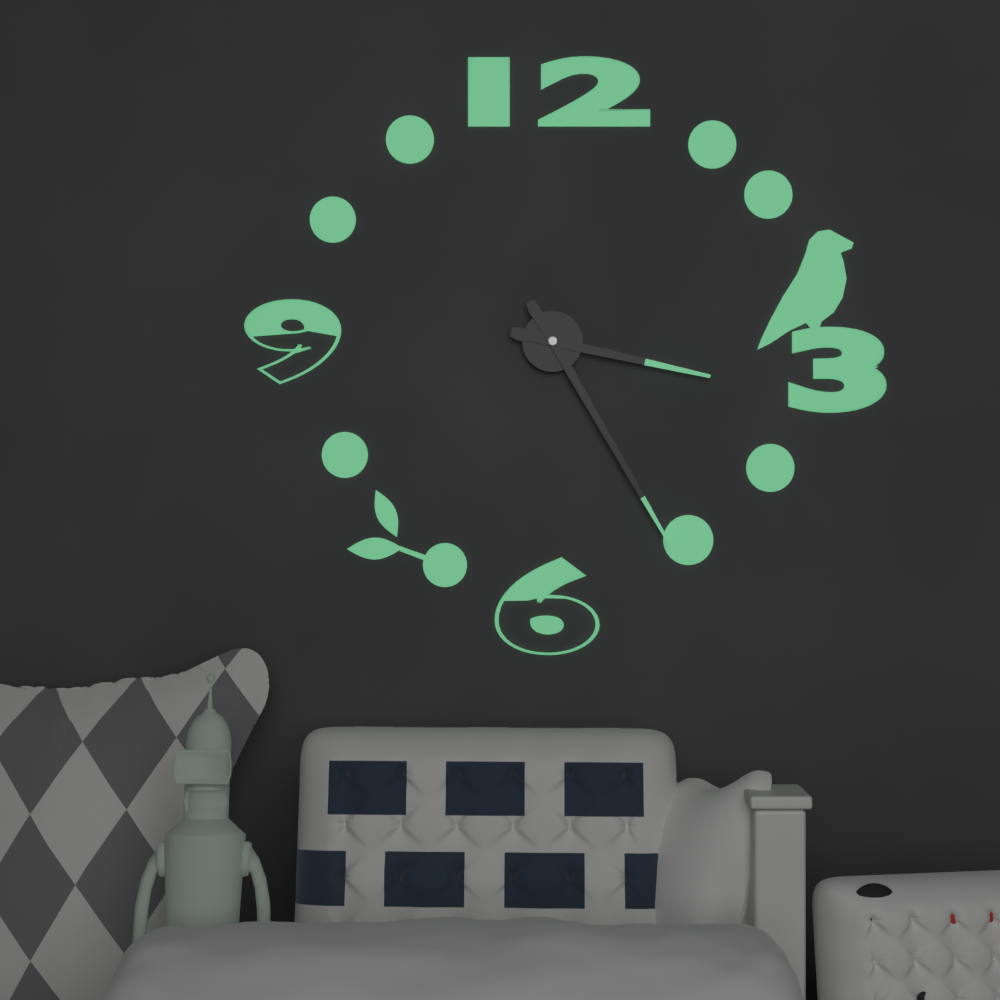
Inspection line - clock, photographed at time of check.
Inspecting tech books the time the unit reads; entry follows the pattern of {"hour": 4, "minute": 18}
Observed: {"hour": 3, "minute": 25}
